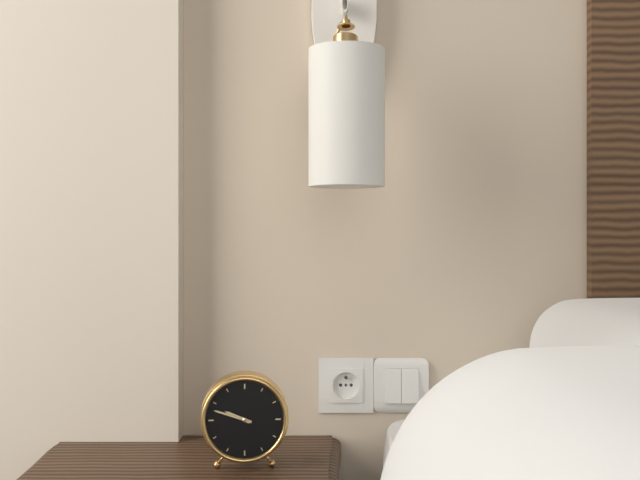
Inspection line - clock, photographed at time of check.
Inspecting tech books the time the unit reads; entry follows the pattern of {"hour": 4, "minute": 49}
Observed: {"hour": 9, "minute": 48}
